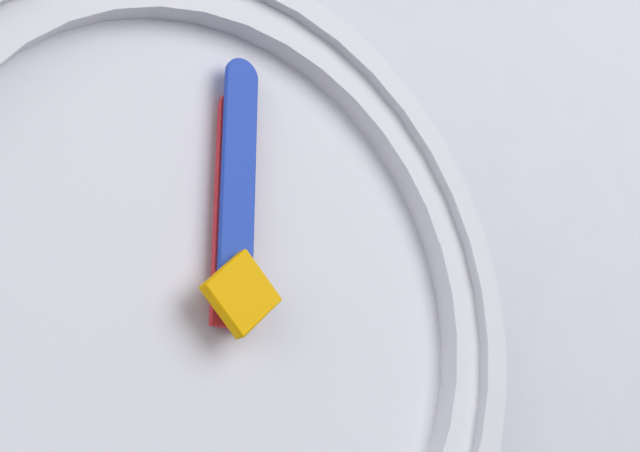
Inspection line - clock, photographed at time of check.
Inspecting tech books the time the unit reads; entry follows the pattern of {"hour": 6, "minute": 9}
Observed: {"hour": 12, "minute": 0}
